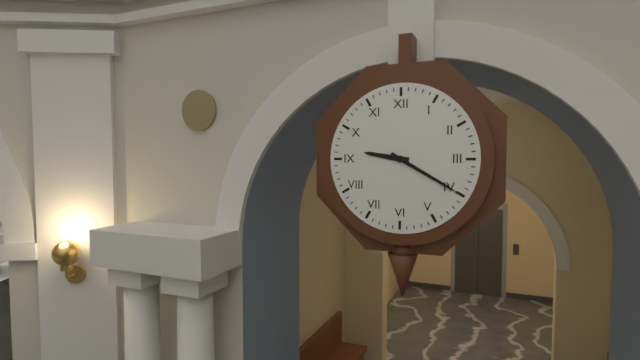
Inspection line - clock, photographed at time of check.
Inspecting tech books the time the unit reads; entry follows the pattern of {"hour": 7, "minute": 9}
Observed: {"hour": 9, "minute": 20}
